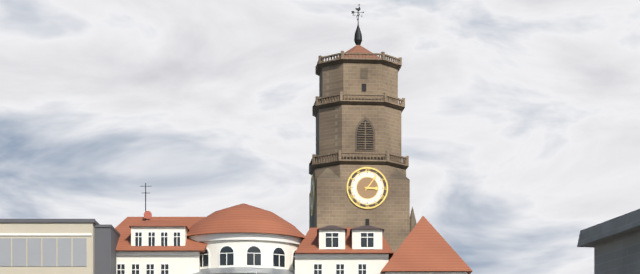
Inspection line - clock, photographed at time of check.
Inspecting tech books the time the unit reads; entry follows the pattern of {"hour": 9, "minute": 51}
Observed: {"hour": 3, "minute": 6}
